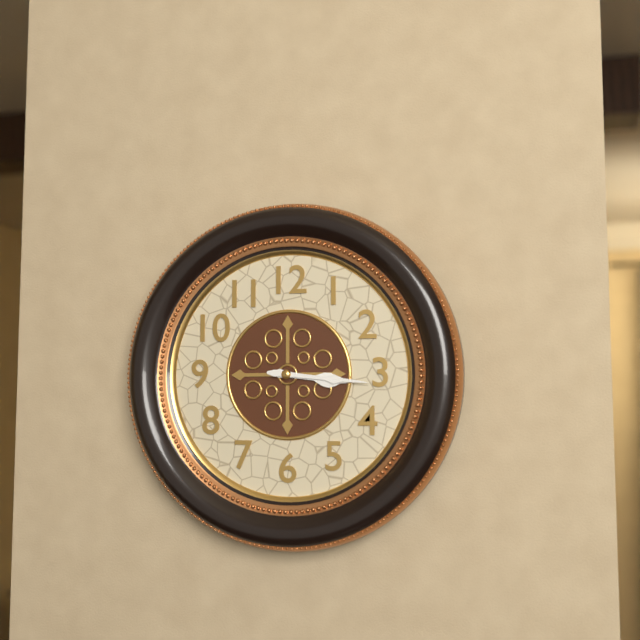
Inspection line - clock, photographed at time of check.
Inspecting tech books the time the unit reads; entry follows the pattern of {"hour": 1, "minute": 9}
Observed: {"hour": 3, "minute": 16}
